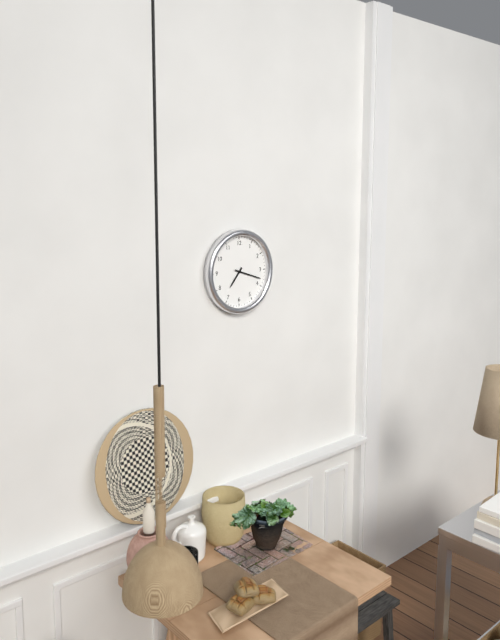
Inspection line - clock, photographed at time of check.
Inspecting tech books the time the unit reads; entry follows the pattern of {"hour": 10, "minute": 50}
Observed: {"hour": 7, "minute": 18}
